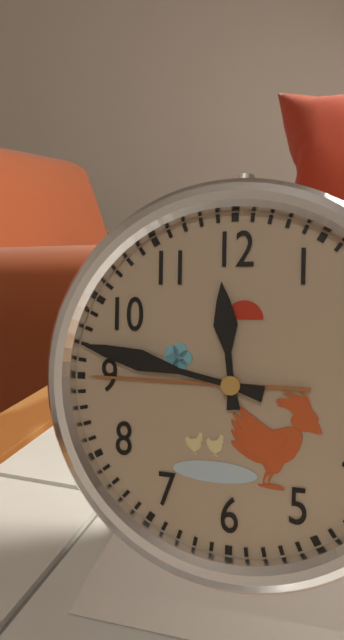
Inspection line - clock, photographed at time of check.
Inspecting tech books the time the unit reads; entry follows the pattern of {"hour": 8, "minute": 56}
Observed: {"hour": 11, "minute": 47}
